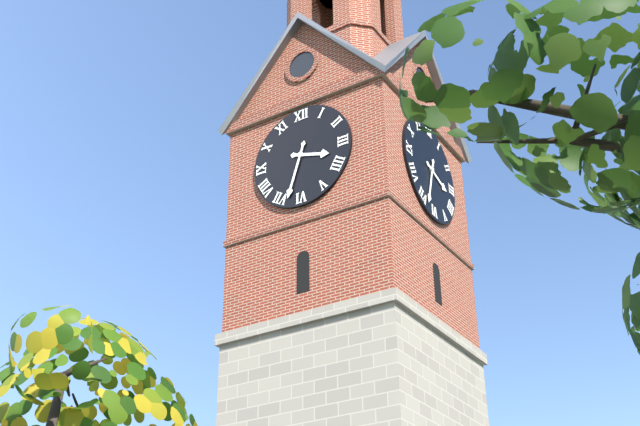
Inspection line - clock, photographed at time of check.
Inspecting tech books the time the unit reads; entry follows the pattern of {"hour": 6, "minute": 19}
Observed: {"hour": 3, "minute": 33}
